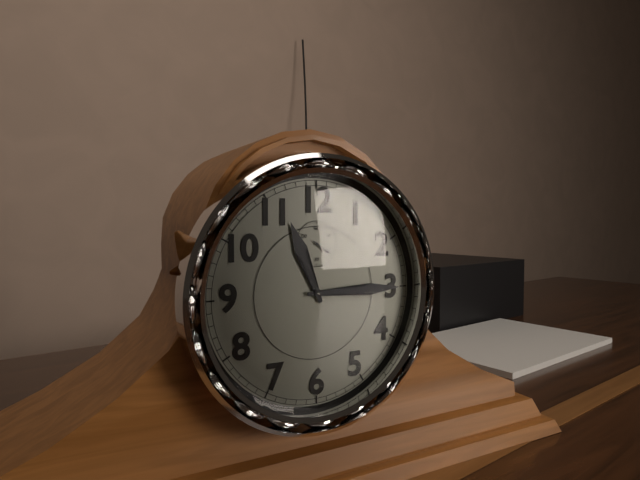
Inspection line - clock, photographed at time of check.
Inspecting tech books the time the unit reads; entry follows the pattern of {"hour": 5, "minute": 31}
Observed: {"hour": 11, "minute": 15}
